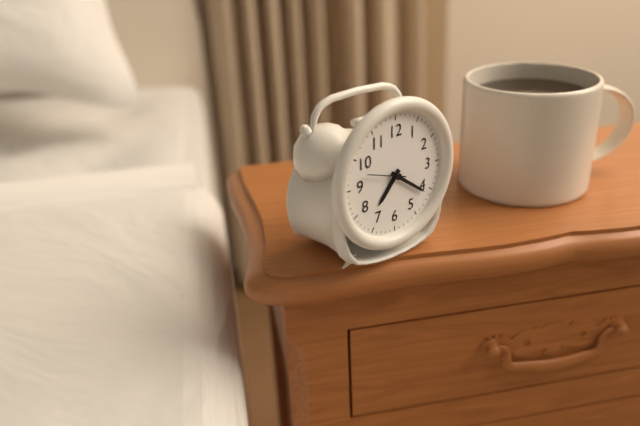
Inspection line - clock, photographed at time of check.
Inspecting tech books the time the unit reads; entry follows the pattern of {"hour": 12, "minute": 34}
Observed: {"hour": 7, "minute": 21}
